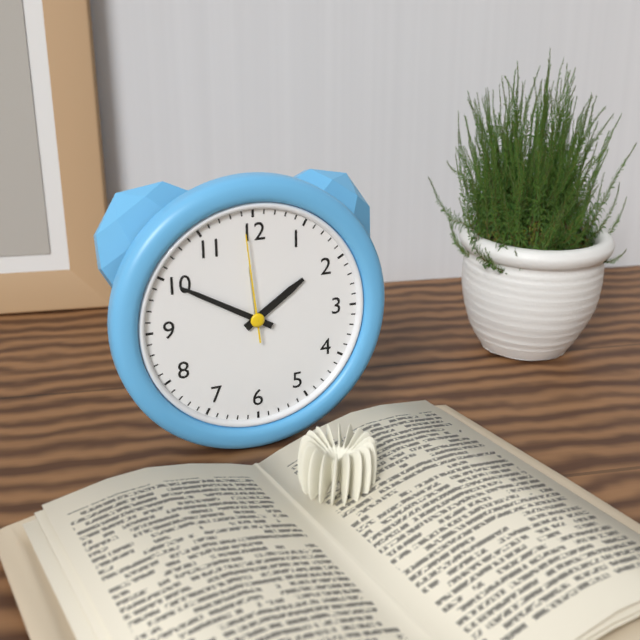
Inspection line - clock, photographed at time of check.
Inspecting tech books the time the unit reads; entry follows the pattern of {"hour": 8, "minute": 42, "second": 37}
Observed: {"hour": 1, "minute": 50, "second": 59}
